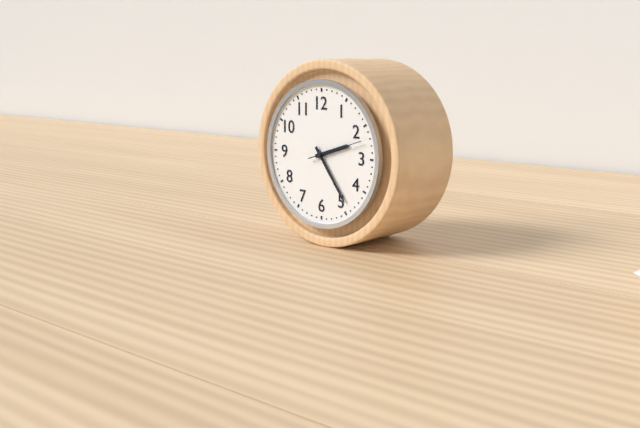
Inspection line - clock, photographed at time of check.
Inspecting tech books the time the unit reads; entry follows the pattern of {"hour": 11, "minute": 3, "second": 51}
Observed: {"hour": 2, "minute": 24, "second": 12}
